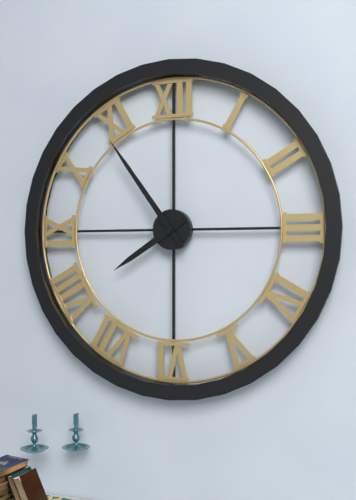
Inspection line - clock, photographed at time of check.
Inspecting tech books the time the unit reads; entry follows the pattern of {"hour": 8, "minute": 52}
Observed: {"hour": 7, "minute": 54}
